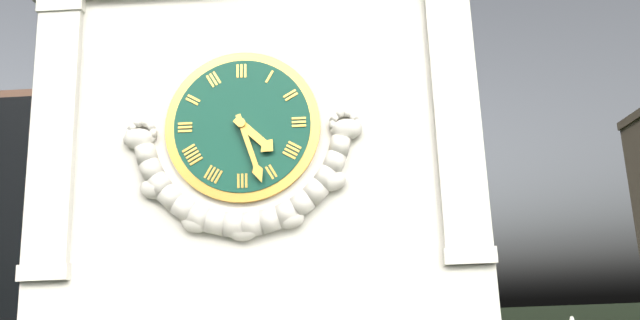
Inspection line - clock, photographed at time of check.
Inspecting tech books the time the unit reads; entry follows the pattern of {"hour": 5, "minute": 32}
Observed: {"hour": 4, "minute": 27}
